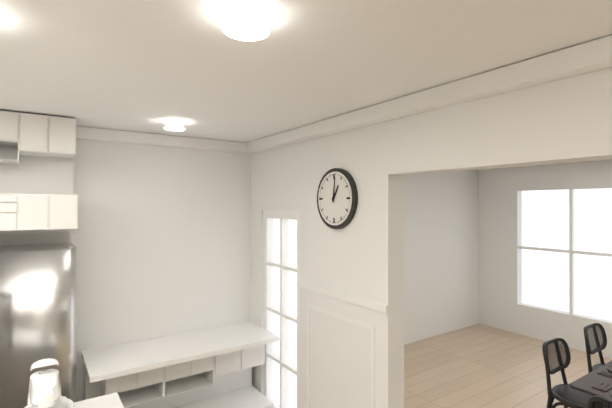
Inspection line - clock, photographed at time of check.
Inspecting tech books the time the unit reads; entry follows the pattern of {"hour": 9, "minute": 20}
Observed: {"hour": 1, "minute": 1}
